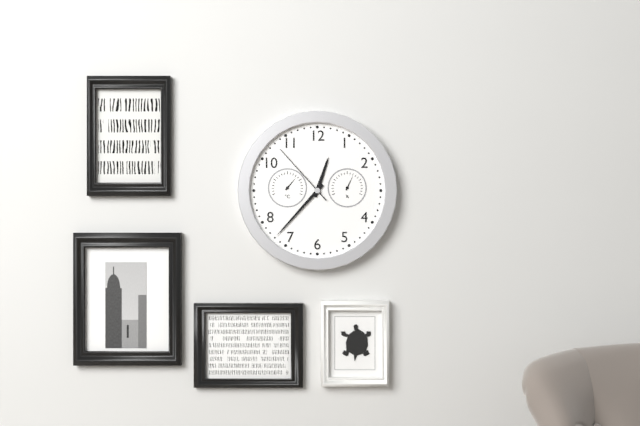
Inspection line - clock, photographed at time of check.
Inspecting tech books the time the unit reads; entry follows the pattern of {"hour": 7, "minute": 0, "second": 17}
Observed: {"hour": 12, "minute": 37, "second": 53}
